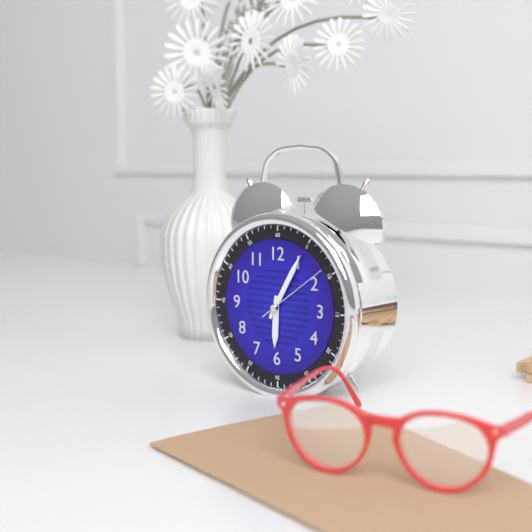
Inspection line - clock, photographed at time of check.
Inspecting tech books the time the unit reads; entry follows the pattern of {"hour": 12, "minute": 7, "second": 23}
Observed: {"hour": 6, "minute": 5, "second": 9}
